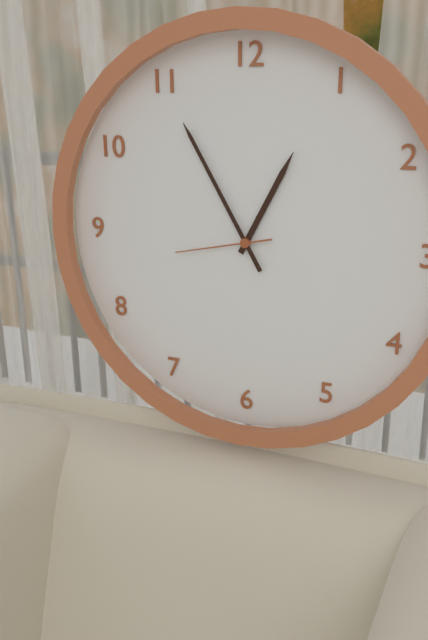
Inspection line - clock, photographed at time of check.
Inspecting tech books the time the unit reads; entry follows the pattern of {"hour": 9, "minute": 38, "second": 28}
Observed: {"hour": 12, "minute": 55, "second": 43}
